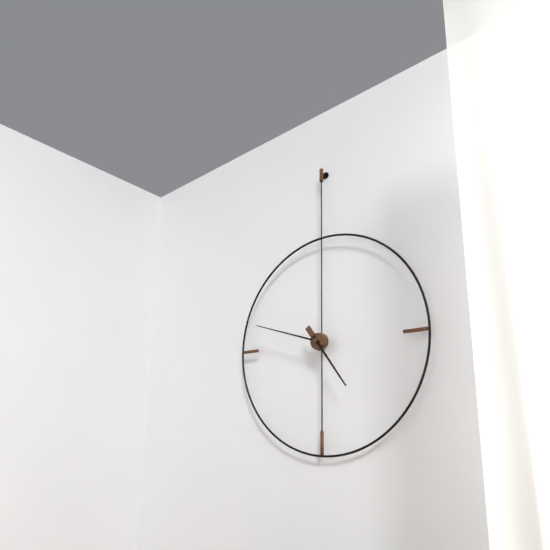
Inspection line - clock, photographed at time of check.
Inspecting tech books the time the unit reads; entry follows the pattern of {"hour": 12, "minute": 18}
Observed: {"hour": 4, "minute": 48}
